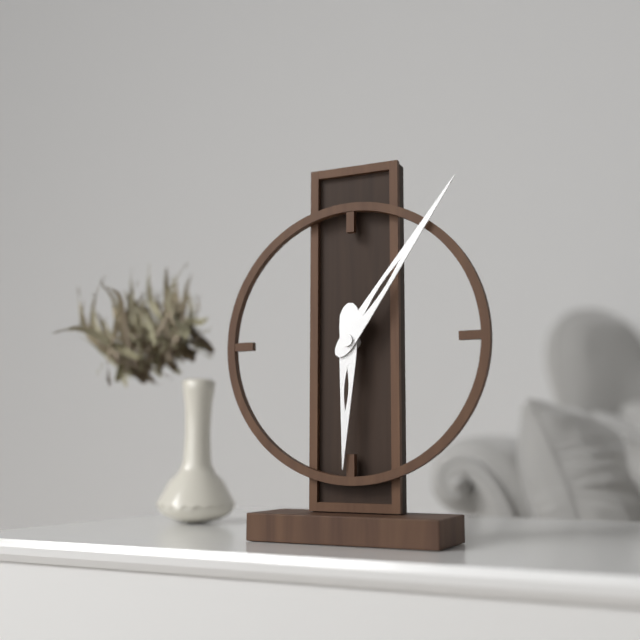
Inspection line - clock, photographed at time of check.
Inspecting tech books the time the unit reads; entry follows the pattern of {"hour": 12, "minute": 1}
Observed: {"hour": 6, "minute": 6}
